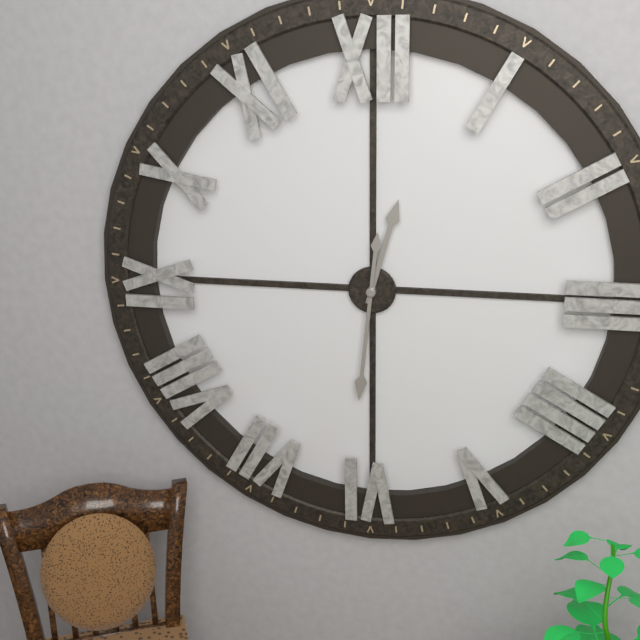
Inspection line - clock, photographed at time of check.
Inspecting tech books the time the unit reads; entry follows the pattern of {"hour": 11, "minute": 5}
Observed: {"hour": 12, "minute": 31}
